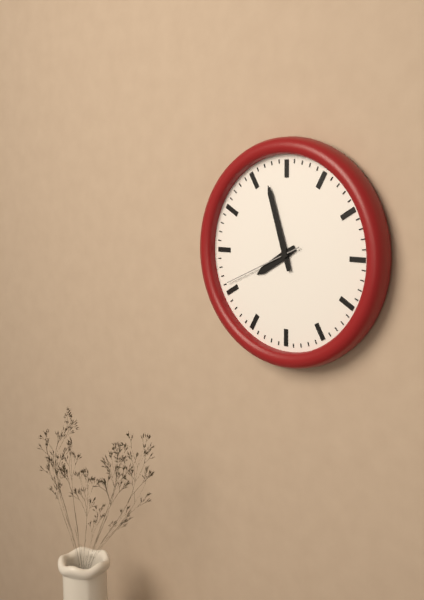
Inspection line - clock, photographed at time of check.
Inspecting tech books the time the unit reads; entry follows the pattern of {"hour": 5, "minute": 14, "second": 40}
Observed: {"hour": 7, "minute": 57, "second": 41}
